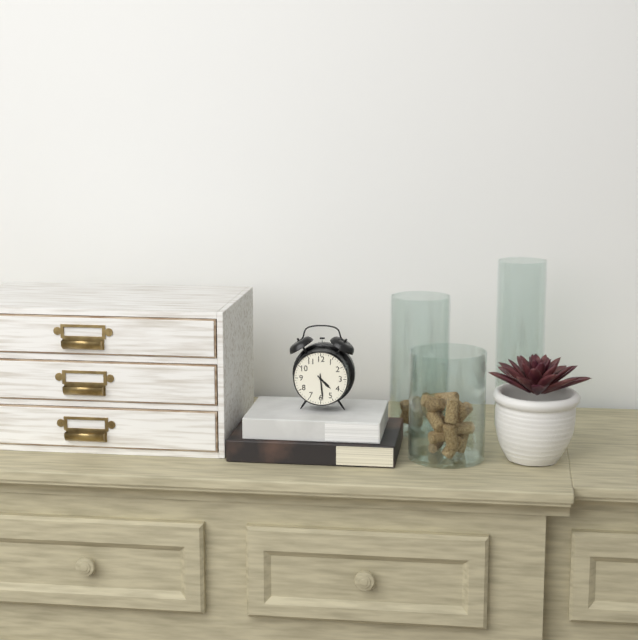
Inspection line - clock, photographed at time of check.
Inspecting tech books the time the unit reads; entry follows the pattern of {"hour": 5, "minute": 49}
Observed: {"hour": 4, "minute": 29}
